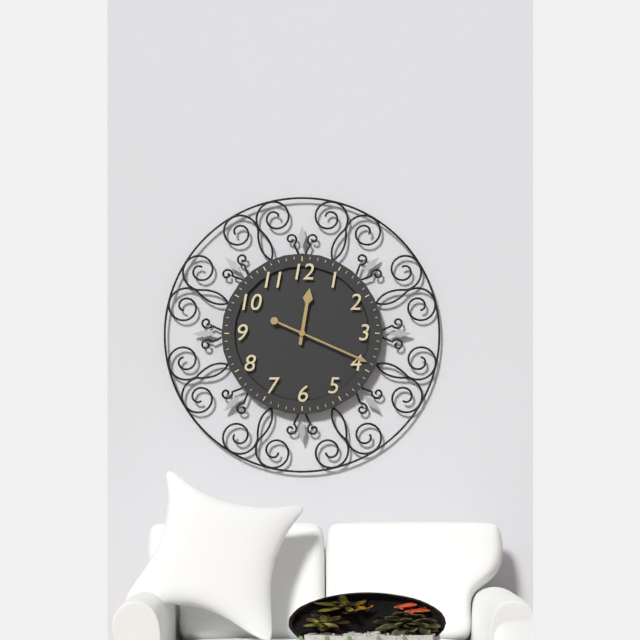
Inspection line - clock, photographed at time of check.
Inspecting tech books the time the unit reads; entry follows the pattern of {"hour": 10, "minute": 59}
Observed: {"hour": 12, "minute": 19}
